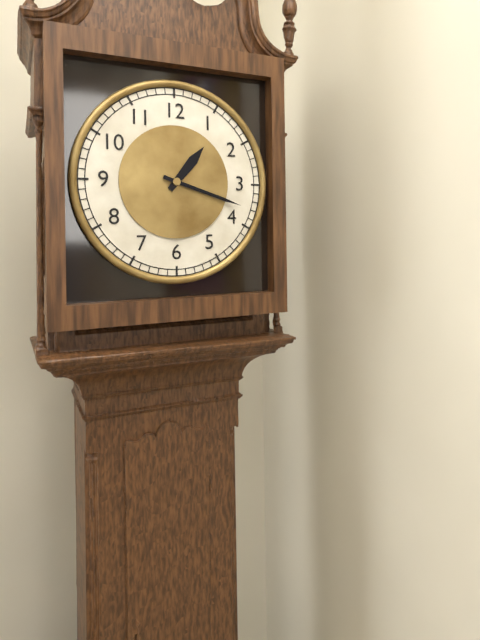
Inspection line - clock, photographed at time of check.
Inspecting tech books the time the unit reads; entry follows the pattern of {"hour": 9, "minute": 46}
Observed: {"hour": 1, "minute": 18}
